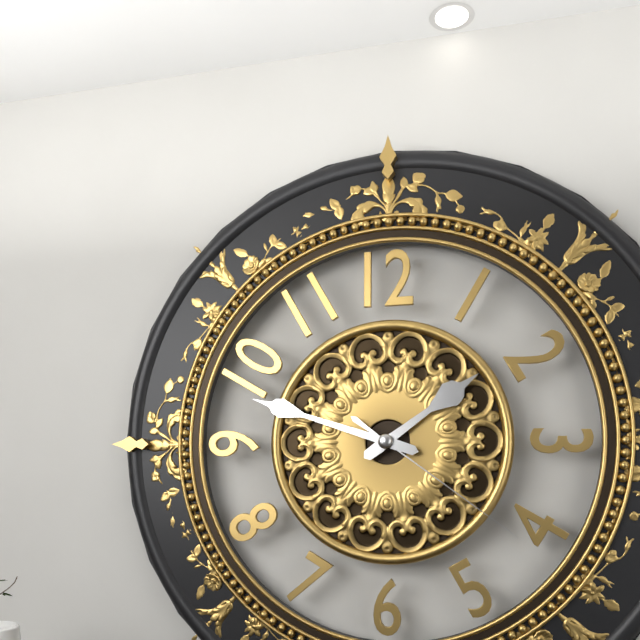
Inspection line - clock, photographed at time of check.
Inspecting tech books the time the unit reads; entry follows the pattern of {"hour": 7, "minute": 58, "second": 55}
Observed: {"hour": 1, "minute": 48, "second": 21}
